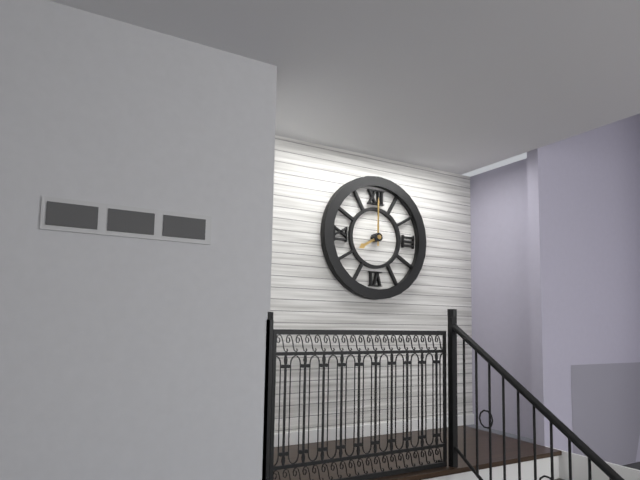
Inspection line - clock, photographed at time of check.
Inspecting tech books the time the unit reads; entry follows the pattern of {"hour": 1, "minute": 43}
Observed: {"hour": 8, "minute": 0}
